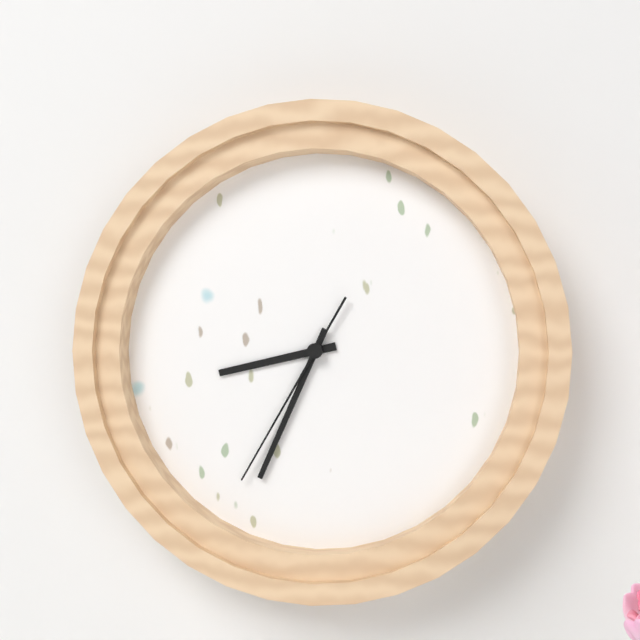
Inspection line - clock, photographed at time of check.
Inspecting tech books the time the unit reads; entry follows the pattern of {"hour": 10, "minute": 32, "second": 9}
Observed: {"hour": 8, "minute": 34, "second": 35}
